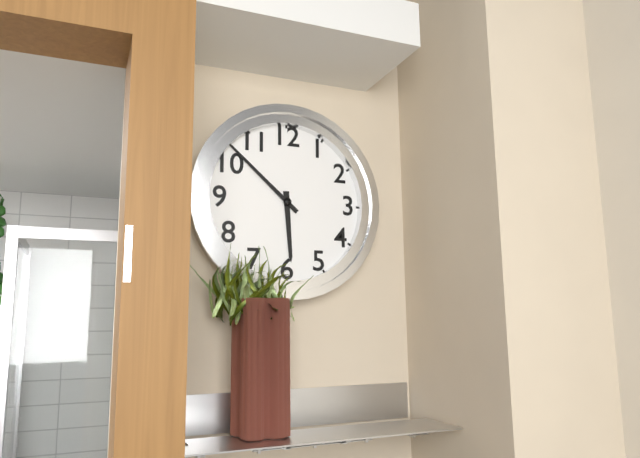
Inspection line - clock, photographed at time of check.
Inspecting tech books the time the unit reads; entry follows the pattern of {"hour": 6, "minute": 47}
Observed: {"hour": 5, "minute": 52}
